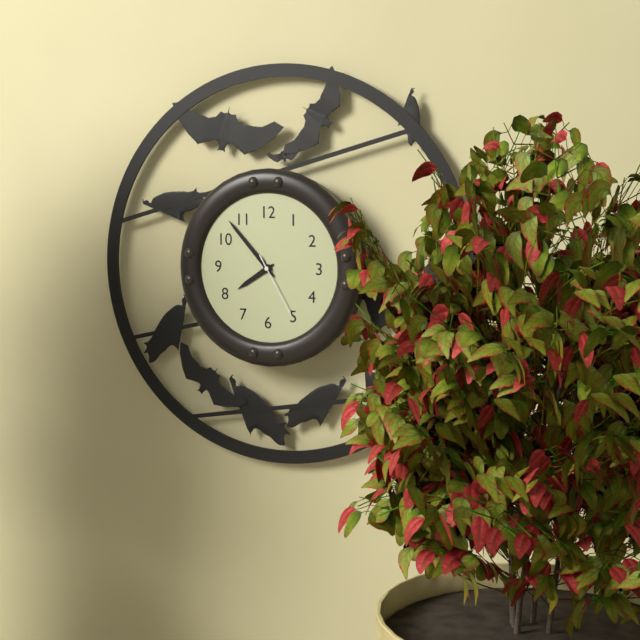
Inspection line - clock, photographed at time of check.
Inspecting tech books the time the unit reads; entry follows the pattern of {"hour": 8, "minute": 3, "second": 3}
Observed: {"hour": 7, "minute": 53, "second": 25}
